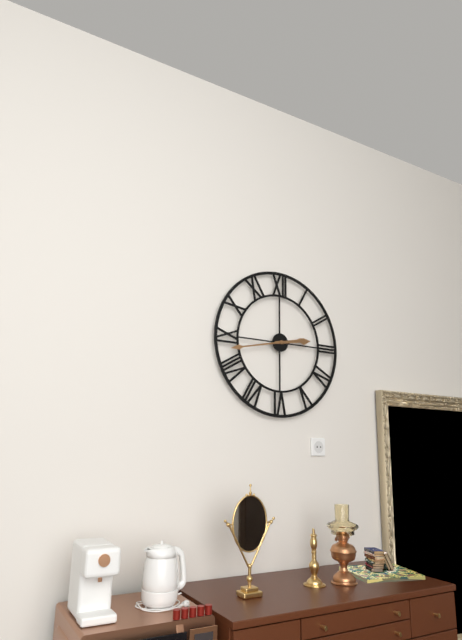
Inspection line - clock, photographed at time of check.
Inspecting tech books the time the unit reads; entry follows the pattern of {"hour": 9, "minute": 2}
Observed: {"hour": 2, "minute": 43}
